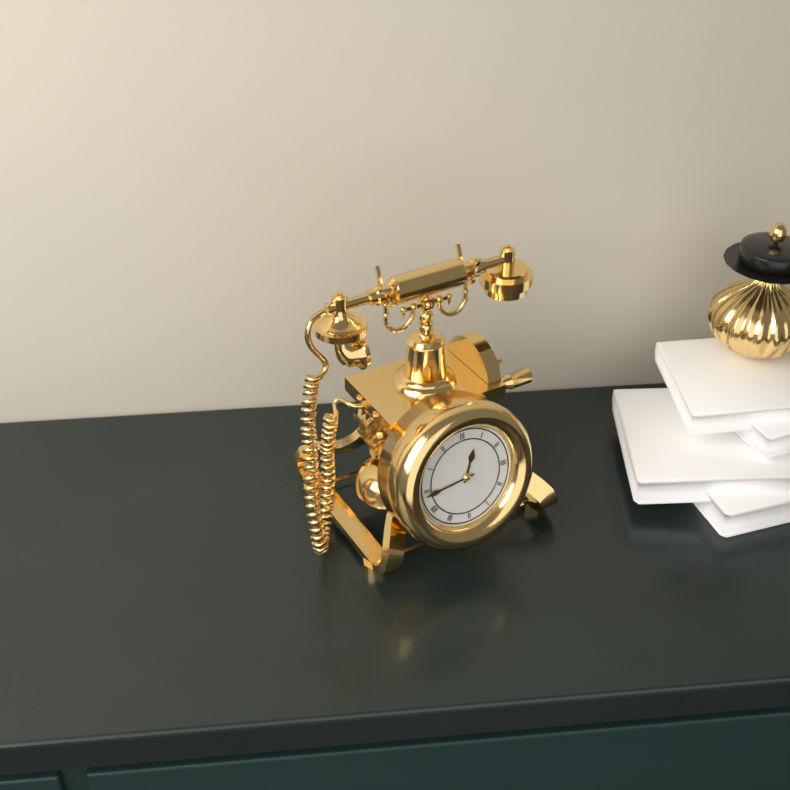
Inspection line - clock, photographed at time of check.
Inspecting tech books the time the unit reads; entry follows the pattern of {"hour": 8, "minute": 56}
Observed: {"hour": 12, "minute": 44}
